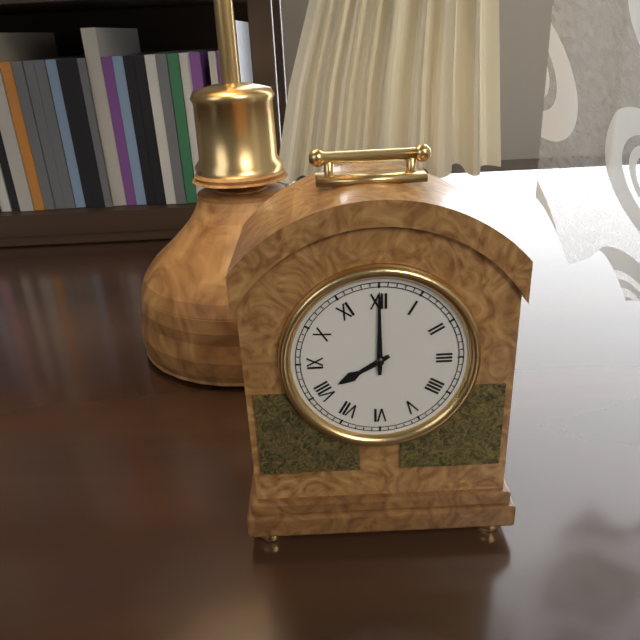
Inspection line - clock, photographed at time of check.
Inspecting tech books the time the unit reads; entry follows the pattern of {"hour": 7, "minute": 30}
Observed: {"hour": 8, "minute": 0}
